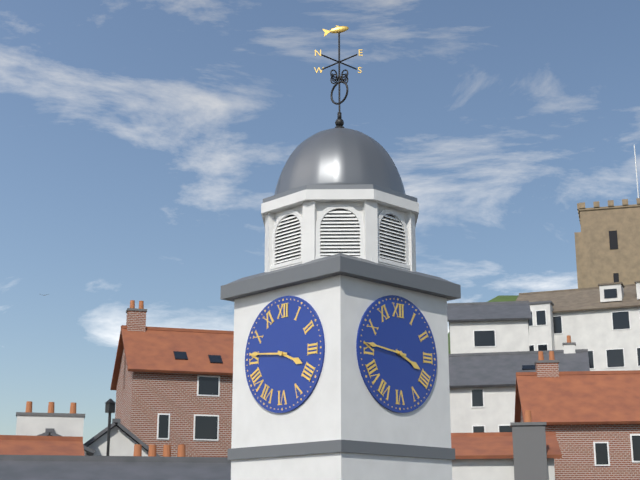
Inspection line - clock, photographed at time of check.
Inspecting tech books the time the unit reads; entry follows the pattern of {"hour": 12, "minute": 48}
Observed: {"hour": 3, "minute": 46}
